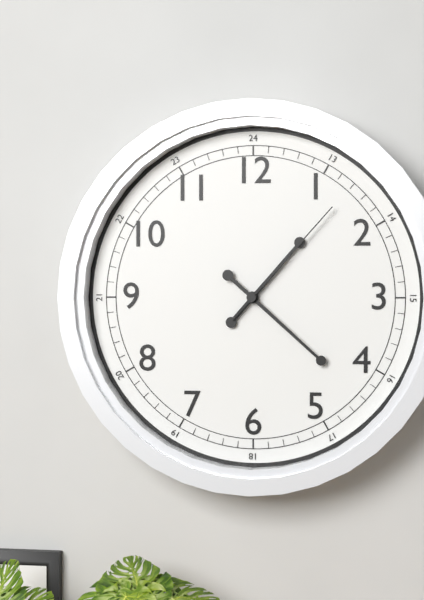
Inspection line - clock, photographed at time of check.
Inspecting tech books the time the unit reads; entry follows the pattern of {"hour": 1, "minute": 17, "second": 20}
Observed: {"hour": 1, "minute": 22, "second": 7}
